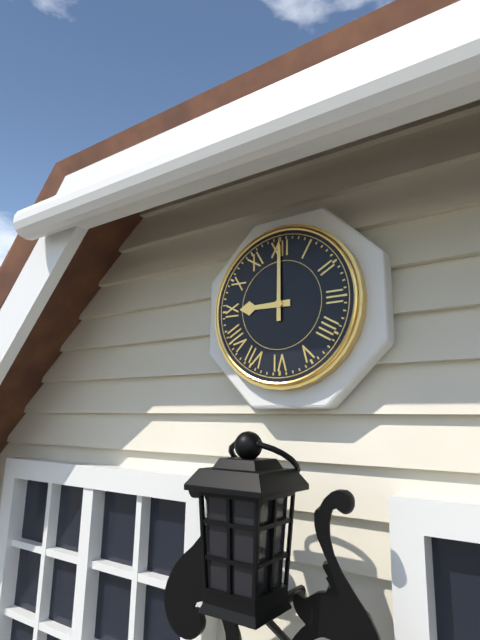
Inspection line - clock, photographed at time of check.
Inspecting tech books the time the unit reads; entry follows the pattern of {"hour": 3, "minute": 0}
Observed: {"hour": 9, "minute": 0}
